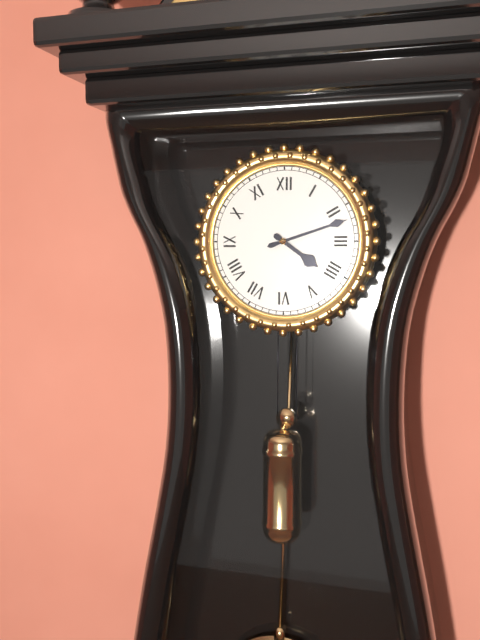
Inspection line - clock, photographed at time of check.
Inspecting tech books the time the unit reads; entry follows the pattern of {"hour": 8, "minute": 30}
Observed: {"hour": 4, "minute": 12}
